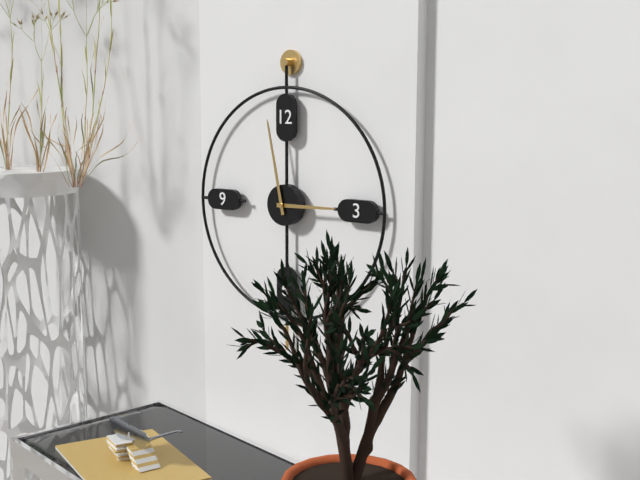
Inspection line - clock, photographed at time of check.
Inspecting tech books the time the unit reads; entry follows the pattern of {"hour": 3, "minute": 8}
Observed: {"hour": 2, "minute": 58}
